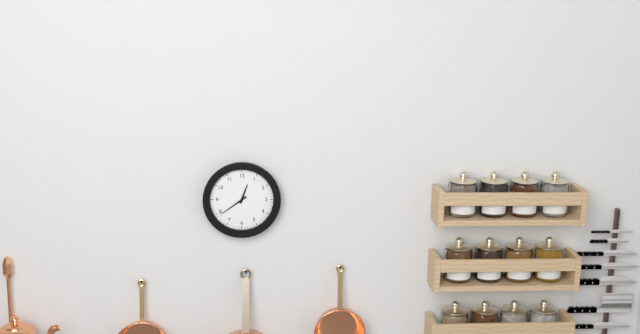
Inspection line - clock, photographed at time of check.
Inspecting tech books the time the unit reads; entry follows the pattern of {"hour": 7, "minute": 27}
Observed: {"hour": 12, "minute": 39}
